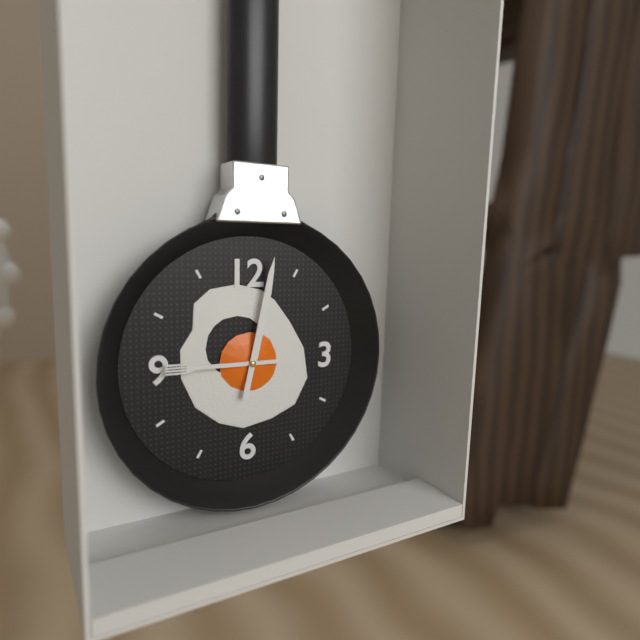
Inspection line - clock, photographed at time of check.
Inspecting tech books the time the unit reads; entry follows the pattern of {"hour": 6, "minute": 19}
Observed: {"hour": 9, "minute": 2}
